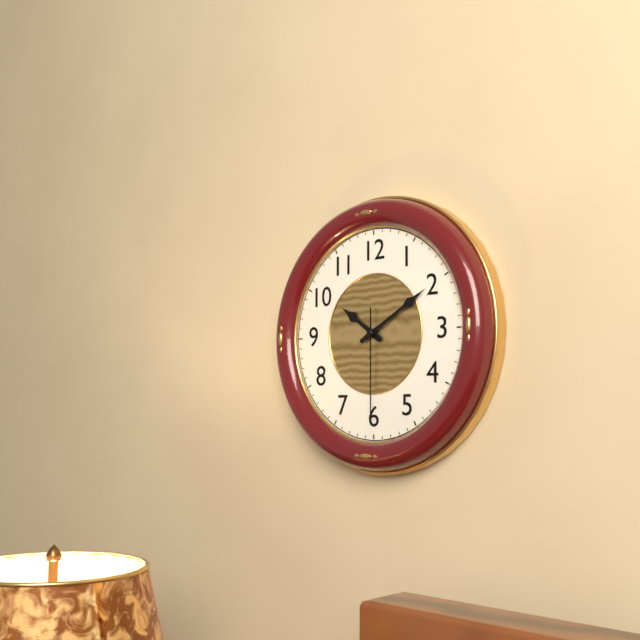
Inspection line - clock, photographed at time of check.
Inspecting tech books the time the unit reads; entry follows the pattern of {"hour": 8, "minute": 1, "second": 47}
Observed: {"hour": 10, "minute": 10, "second": 30}
